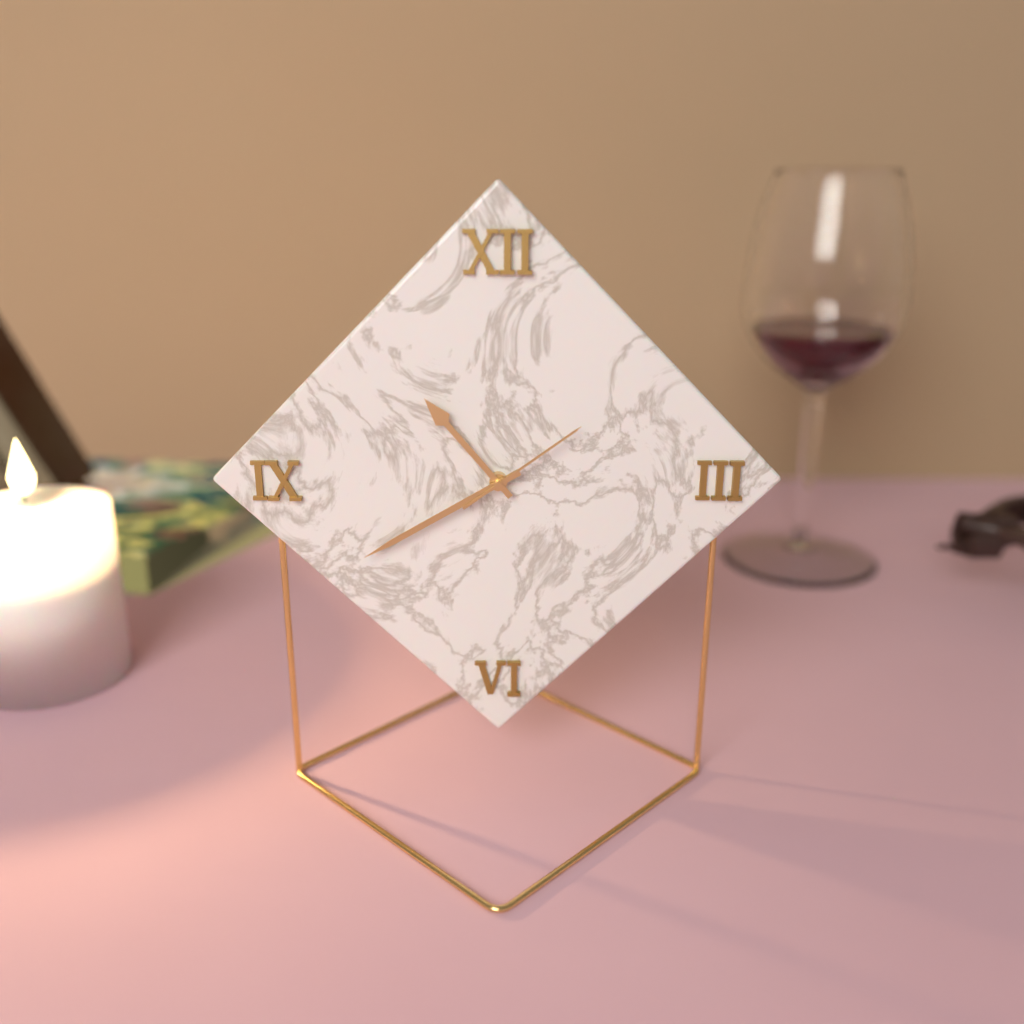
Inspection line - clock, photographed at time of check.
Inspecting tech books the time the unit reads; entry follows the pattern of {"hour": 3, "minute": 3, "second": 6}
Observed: {"hour": 10, "minute": 40, "second": 9}
